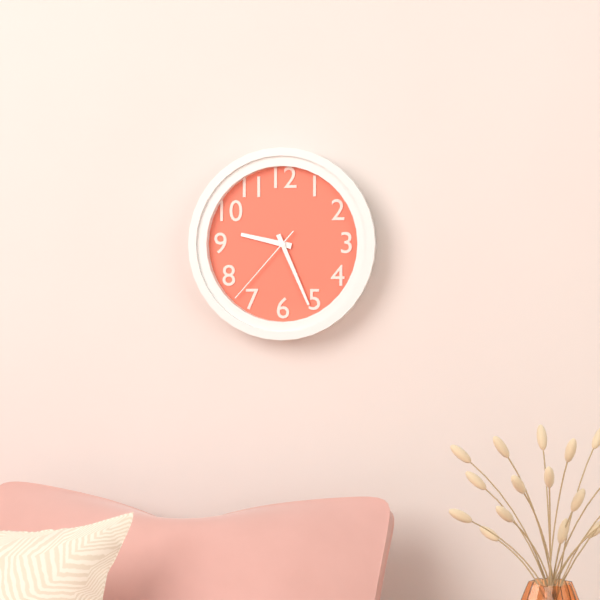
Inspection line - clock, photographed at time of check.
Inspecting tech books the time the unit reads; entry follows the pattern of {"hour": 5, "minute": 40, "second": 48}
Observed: {"hour": 9, "minute": 26, "second": 37}
